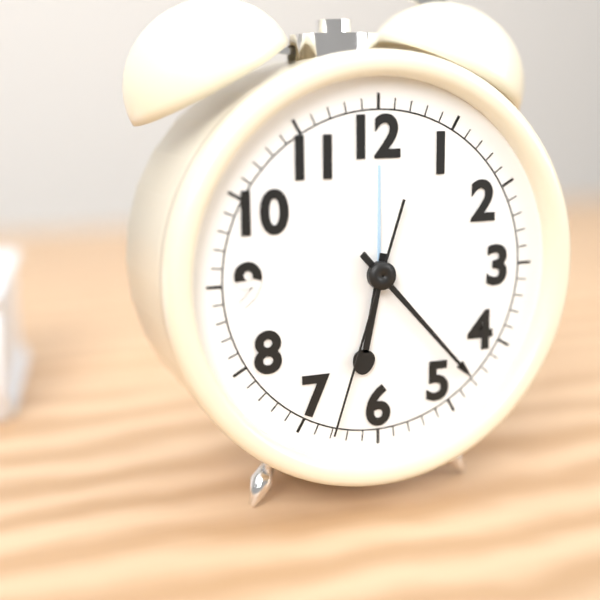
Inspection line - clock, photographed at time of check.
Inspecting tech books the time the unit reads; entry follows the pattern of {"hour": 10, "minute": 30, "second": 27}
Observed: {"hour": 6, "minute": 23, "second": 33}
